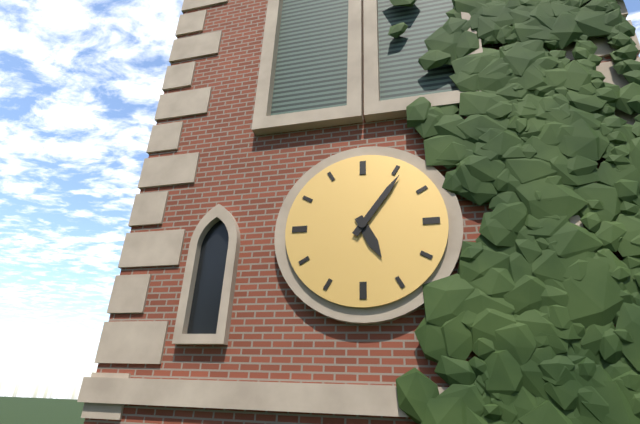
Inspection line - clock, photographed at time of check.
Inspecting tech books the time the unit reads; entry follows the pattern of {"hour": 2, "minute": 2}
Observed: {"hour": 5, "minute": 6}
